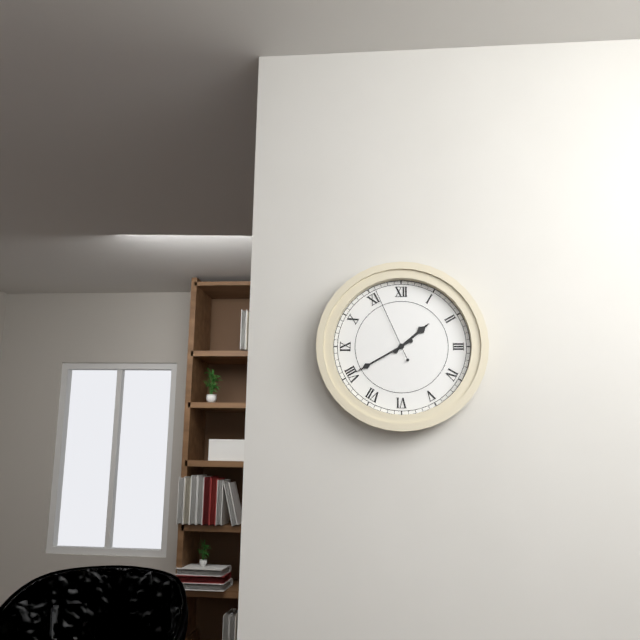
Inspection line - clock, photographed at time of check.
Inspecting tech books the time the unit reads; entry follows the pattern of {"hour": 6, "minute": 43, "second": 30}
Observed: {"hour": 1, "minute": 40, "second": 56}
